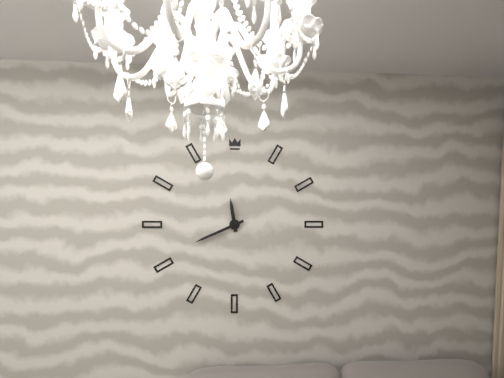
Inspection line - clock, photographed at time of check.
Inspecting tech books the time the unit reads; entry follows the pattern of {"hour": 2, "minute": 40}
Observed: {"hour": 11, "minute": 41}
